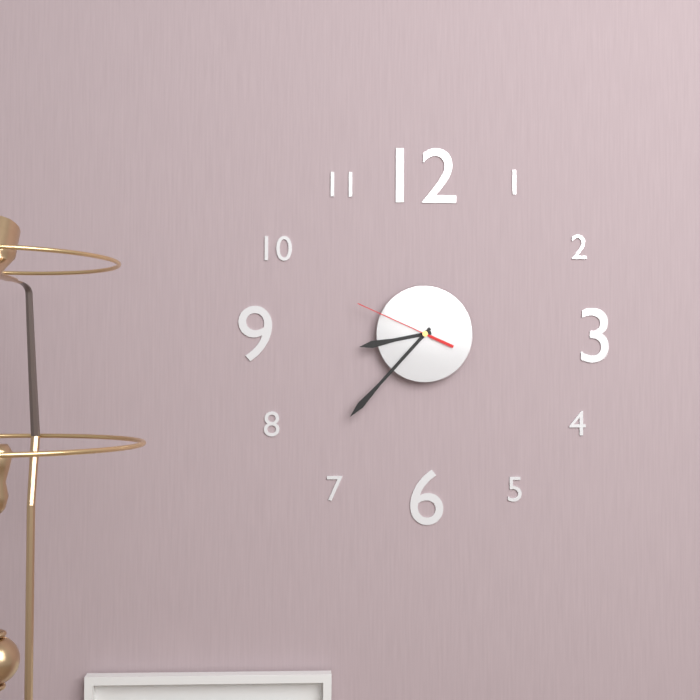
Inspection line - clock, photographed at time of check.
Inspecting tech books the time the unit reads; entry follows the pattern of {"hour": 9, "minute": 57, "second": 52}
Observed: {"hour": 8, "minute": 37, "second": 49}
